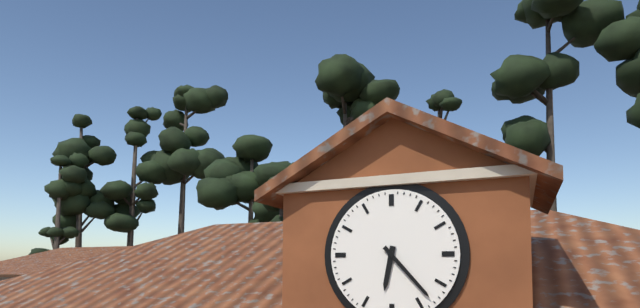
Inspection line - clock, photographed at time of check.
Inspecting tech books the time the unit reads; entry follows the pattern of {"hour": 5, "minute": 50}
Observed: {"hour": 6, "minute": 23}
